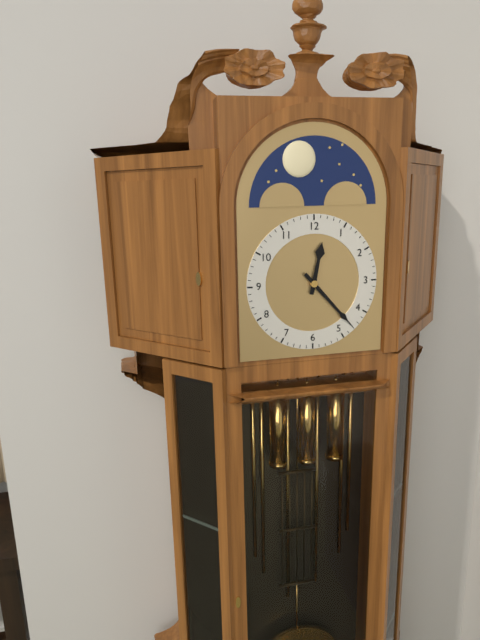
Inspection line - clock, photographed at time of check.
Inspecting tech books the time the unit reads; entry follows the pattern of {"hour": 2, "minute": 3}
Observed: {"hour": 12, "minute": 23}
